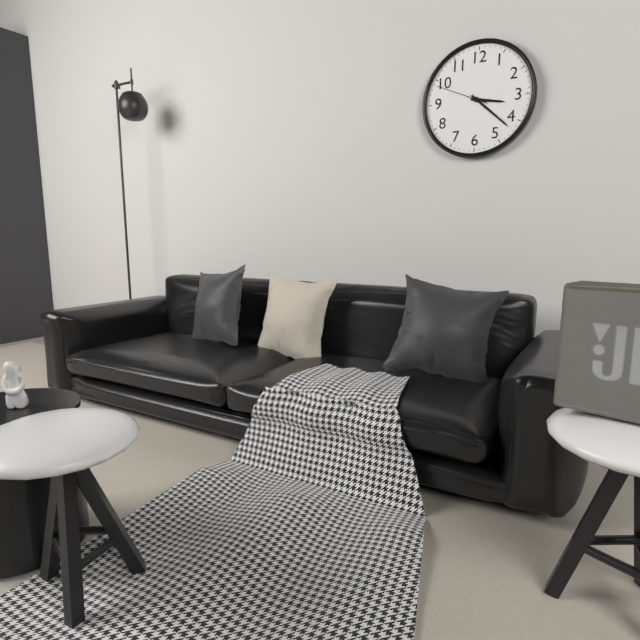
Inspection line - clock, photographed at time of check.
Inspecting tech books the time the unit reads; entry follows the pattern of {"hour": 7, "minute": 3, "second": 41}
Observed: {"hour": 3, "minute": 22, "second": 49}
